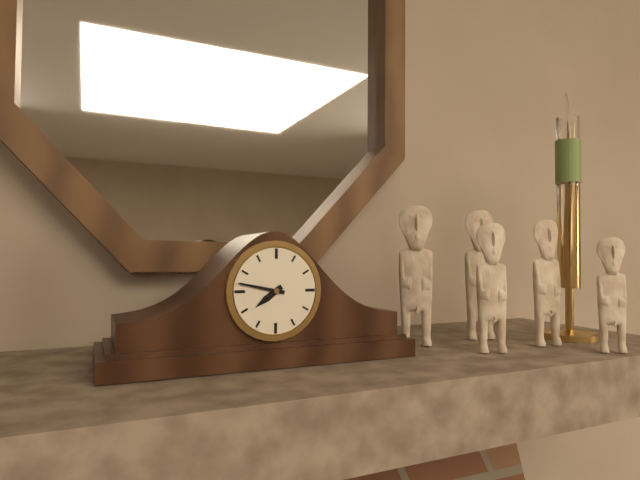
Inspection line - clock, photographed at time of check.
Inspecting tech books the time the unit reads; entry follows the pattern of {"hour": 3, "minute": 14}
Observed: {"hour": 7, "minute": 47}
